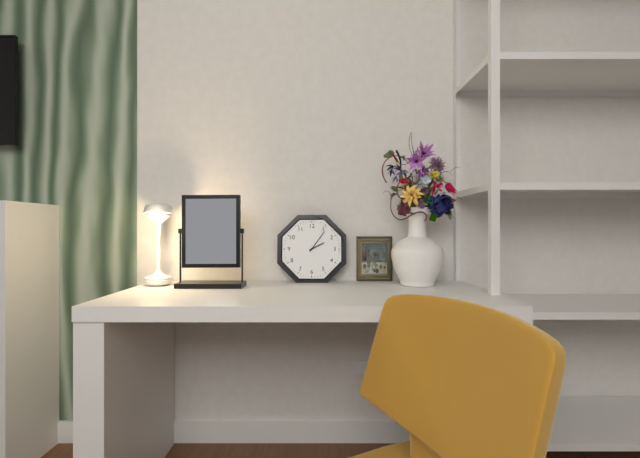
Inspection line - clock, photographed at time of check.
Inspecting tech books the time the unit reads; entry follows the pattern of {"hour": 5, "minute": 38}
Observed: {"hour": 2, "minute": 6}
